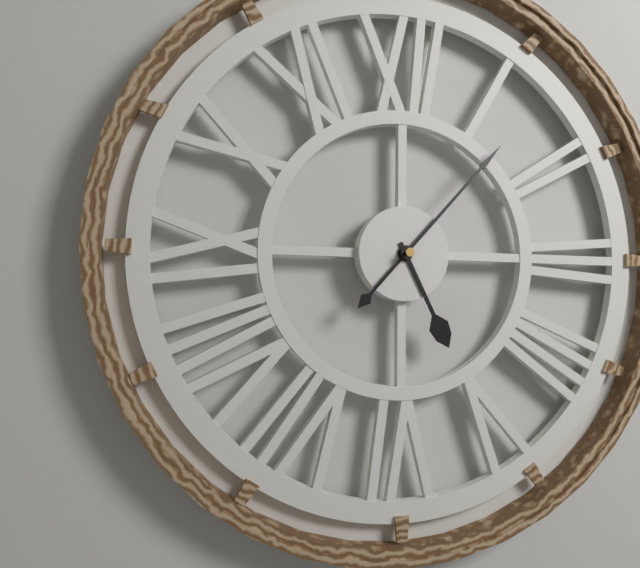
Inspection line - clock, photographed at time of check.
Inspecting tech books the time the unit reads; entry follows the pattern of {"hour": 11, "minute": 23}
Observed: {"hour": 5, "minute": 7}
